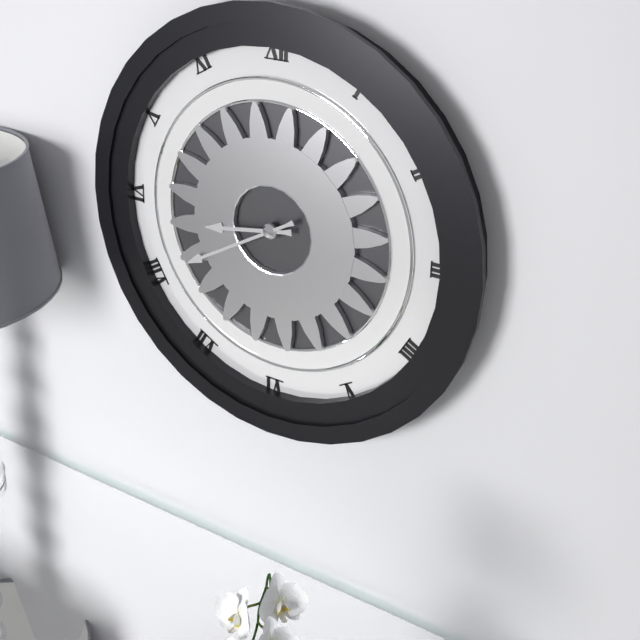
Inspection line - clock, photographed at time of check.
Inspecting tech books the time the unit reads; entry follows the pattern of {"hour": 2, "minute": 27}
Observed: {"hour": 8, "minute": 40}
